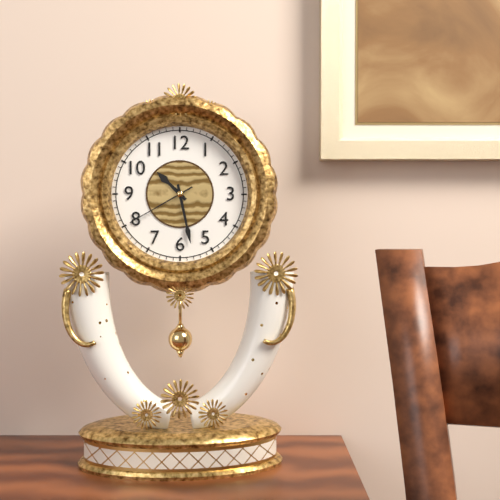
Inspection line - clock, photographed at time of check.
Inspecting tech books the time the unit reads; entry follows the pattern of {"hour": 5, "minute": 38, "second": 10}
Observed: {"hour": 10, "minute": 28, "second": 40}
